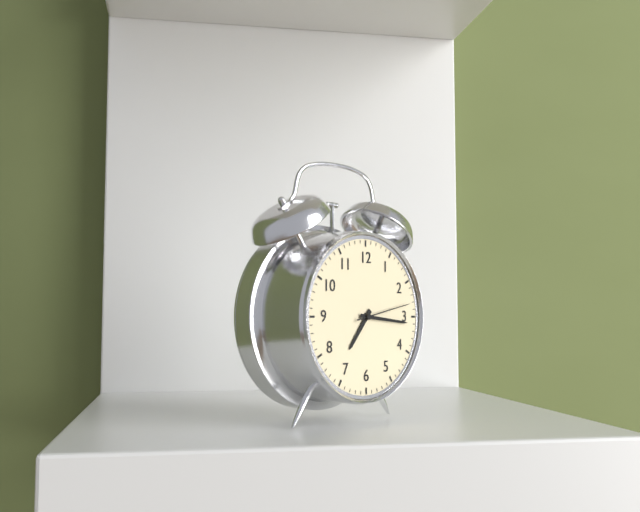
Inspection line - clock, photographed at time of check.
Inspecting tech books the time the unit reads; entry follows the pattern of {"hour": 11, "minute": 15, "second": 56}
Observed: {"hour": 7, "minute": 16, "second": 13}
